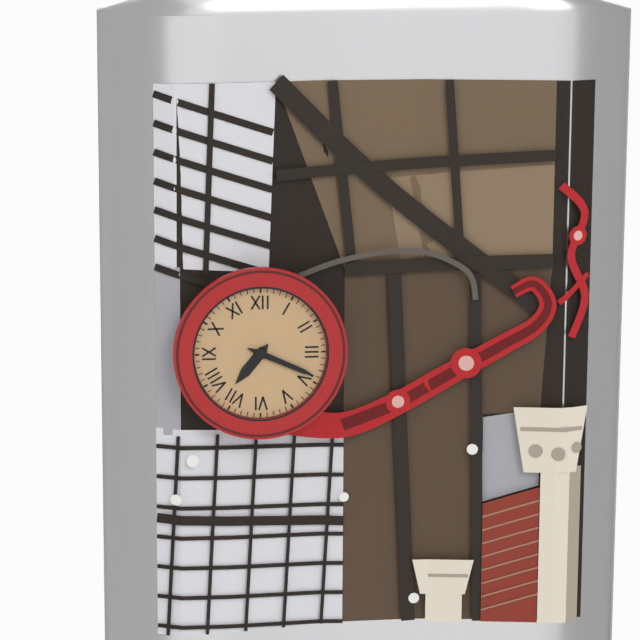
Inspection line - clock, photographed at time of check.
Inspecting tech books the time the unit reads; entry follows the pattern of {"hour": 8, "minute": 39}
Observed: {"hour": 7, "minute": 19}
